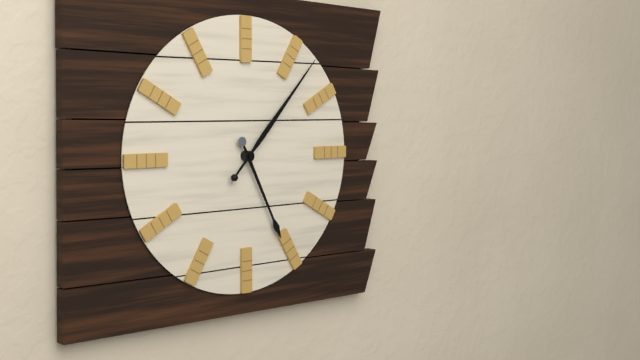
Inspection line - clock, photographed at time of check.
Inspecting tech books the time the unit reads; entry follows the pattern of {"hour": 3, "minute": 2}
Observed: {"hour": 5, "minute": 7}
